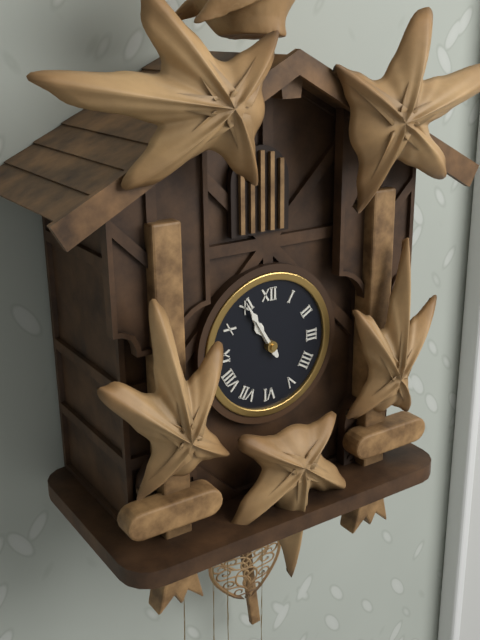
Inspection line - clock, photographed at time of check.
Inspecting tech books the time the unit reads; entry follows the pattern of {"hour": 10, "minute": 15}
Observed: {"hour": 10, "minute": 55}
